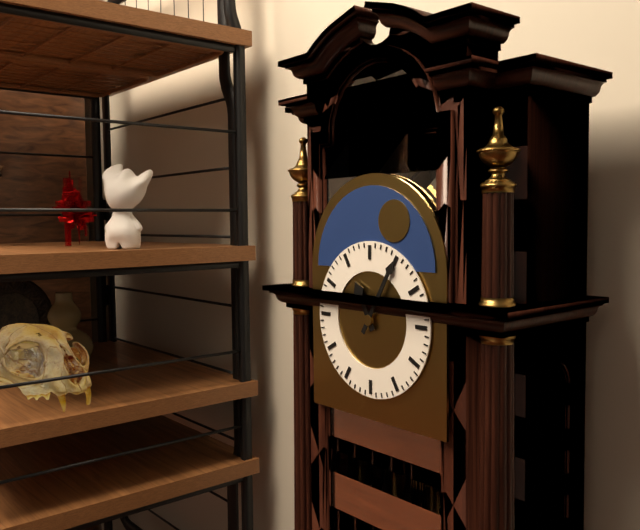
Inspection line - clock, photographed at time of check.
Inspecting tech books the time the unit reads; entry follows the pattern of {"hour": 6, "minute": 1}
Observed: {"hour": 11, "minute": 5}
